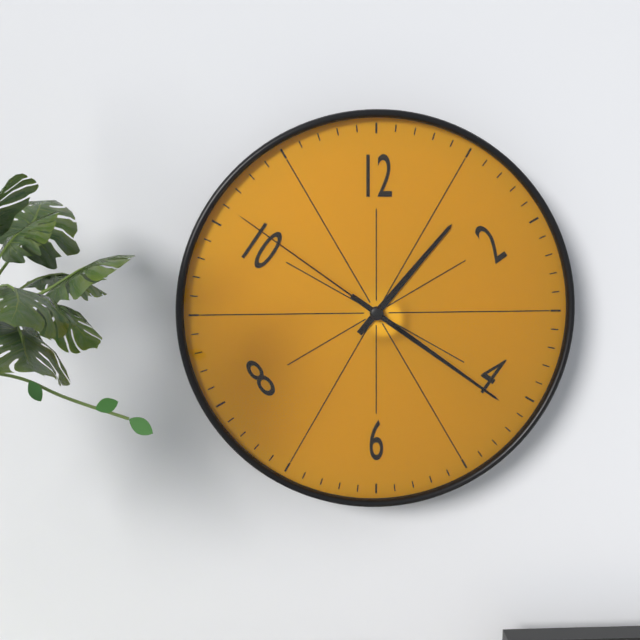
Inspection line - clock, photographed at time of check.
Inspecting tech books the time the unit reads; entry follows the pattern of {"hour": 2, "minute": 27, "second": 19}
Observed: {"hour": 1, "minute": 21, "second": 51}
